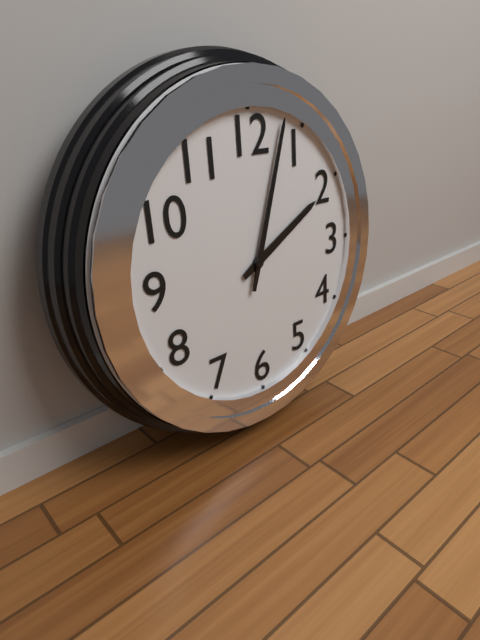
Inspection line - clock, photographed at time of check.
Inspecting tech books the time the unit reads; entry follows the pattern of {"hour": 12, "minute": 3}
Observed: {"hour": 2, "minute": 3}
